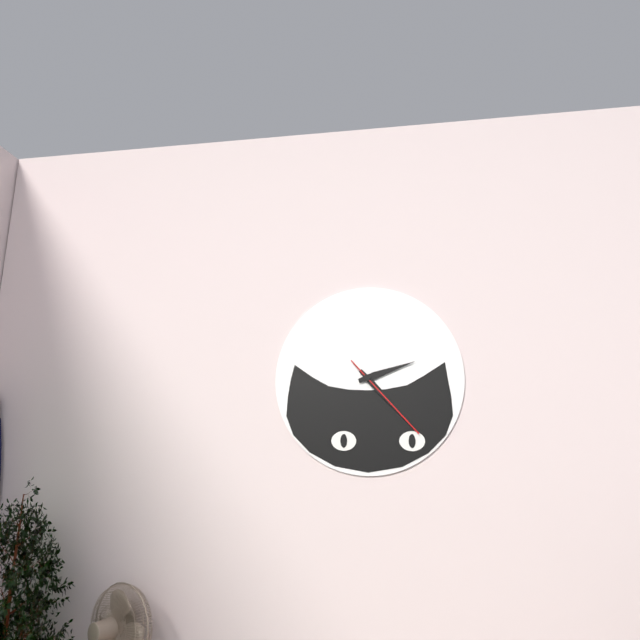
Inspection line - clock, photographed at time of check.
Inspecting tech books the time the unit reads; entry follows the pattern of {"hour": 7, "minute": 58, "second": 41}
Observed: {"hour": 2, "minute": 23, "second": 23}
